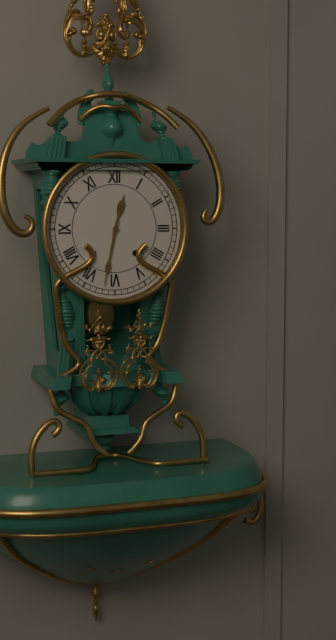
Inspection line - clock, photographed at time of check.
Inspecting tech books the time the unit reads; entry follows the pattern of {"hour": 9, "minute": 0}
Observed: {"hour": 12, "minute": 32}
